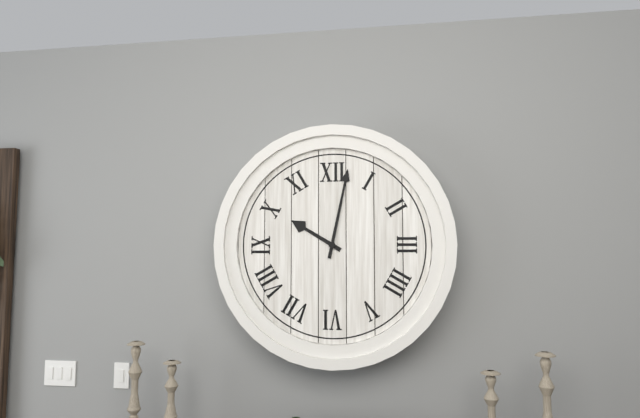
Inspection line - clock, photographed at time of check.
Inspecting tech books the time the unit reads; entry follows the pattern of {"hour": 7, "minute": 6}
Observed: {"hour": 10, "minute": 2}
